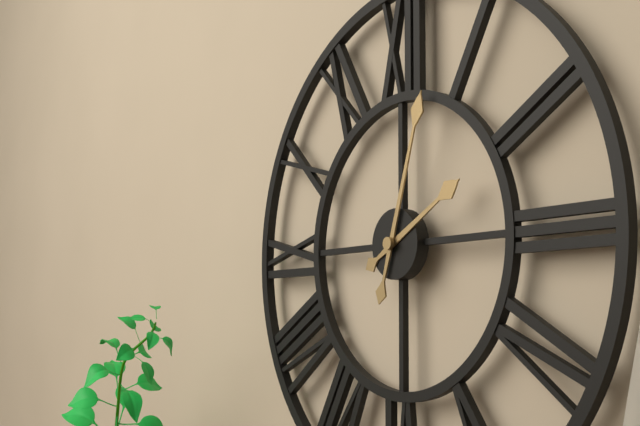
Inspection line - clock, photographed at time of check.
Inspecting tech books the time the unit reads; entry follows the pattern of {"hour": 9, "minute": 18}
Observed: {"hour": 2, "minute": 3}
